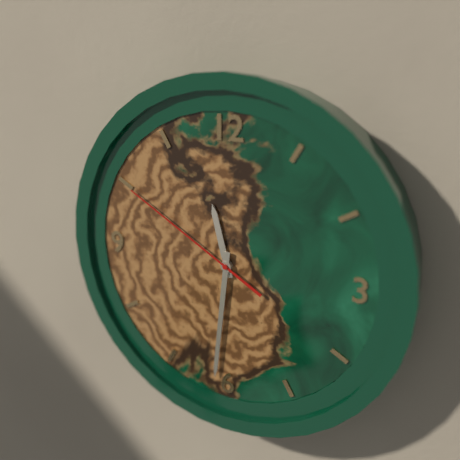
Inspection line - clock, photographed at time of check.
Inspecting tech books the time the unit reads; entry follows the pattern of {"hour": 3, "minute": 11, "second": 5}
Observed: {"hour": 11, "minute": 31, "second": 50}
